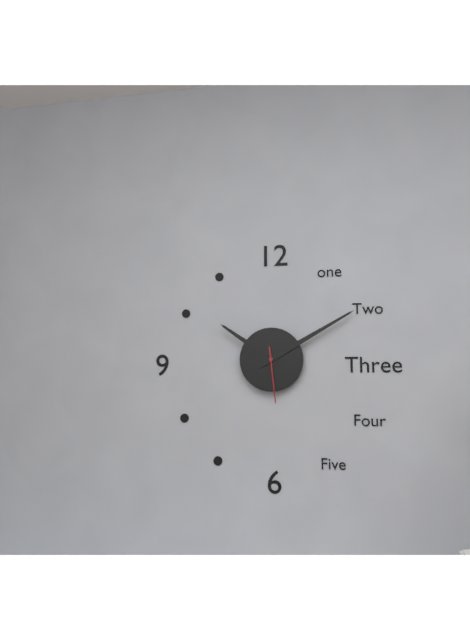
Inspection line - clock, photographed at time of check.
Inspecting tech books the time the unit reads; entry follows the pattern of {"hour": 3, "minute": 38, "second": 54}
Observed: {"hour": 10, "minute": 10, "second": 29}
